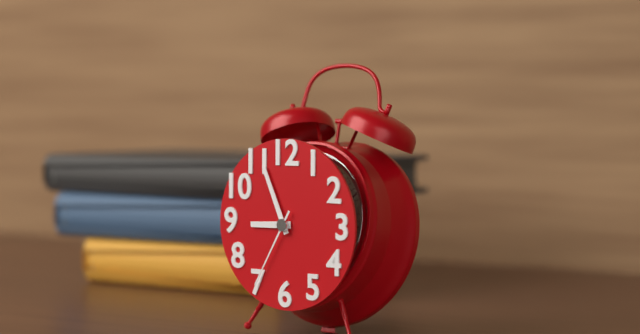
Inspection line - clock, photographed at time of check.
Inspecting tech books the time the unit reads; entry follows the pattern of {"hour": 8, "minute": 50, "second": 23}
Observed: {"hour": 8, "minute": 56, "second": 35}
